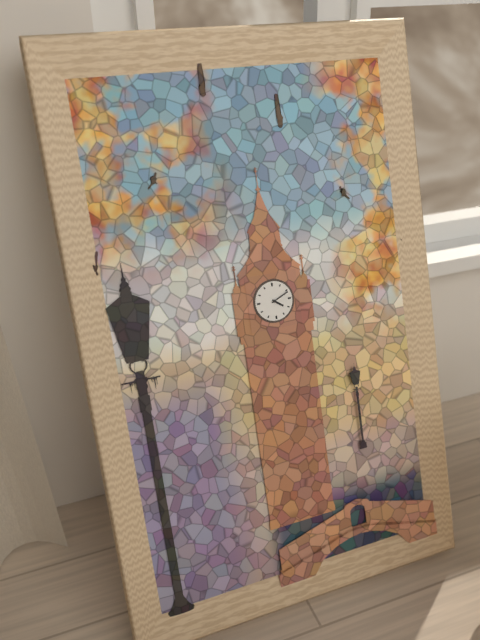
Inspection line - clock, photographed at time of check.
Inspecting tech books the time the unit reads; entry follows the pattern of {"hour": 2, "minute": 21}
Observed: {"hour": 4, "minute": 11}
